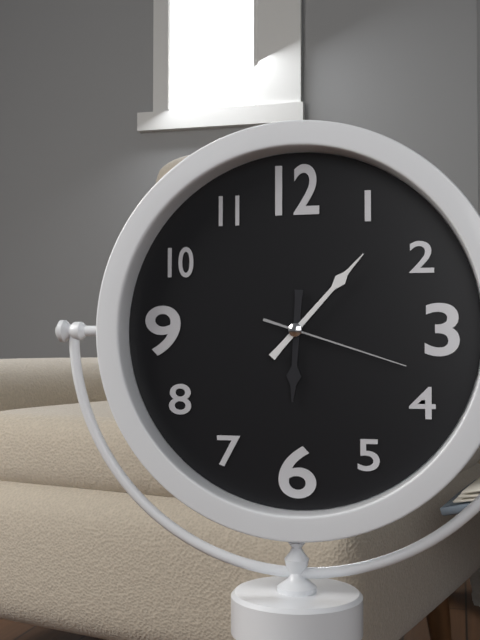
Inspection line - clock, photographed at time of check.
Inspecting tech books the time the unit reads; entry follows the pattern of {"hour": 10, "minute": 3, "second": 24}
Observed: {"hour": 6, "minute": 7, "second": 18}
